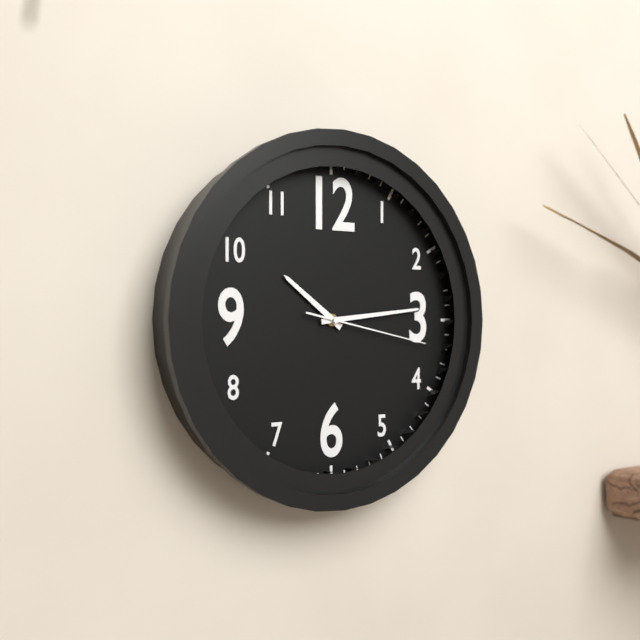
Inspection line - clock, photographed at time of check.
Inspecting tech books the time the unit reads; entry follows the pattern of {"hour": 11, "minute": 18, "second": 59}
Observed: {"hour": 10, "minute": 14, "second": 17}
